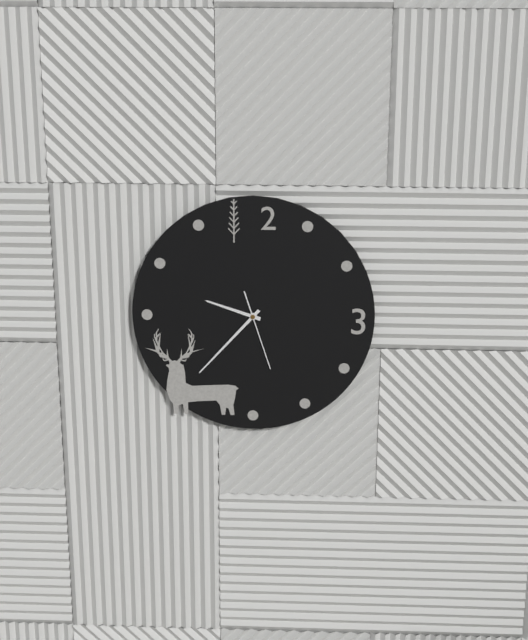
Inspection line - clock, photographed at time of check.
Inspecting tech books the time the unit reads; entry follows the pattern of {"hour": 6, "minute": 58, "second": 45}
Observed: {"hour": 9, "minute": 37, "second": 27}
